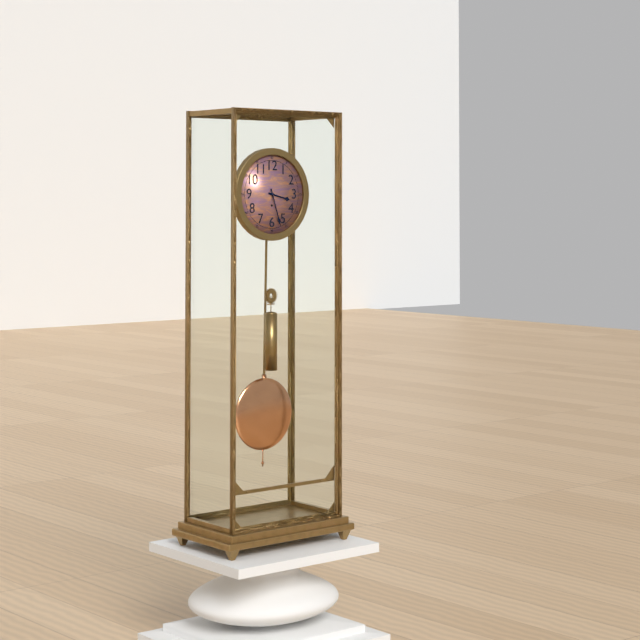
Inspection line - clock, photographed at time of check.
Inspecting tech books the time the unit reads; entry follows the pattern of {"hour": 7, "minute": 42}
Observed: {"hour": 3, "minute": 27}
